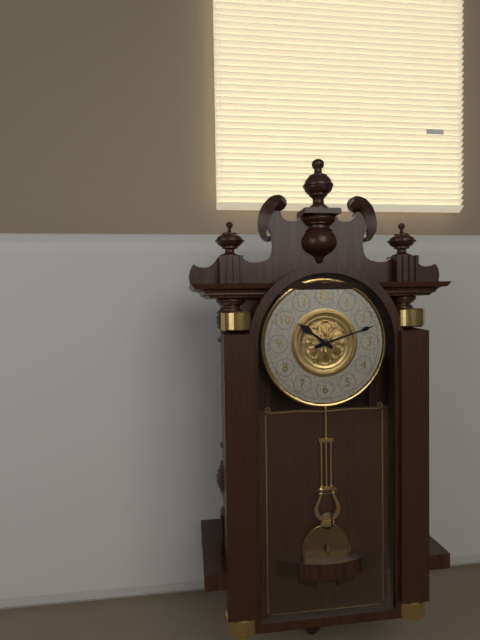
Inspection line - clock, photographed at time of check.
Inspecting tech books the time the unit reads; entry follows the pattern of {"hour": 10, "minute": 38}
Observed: {"hour": 10, "minute": 12}
